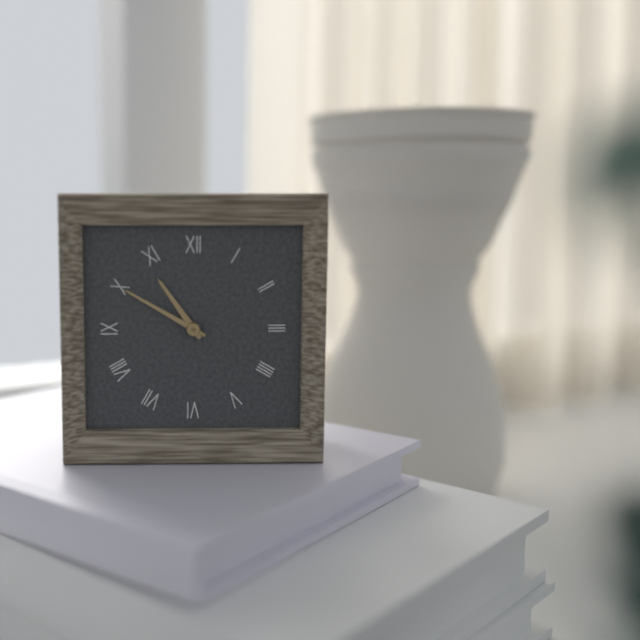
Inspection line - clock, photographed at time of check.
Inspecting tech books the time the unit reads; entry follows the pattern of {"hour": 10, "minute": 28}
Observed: {"hour": 10, "minute": 50}
